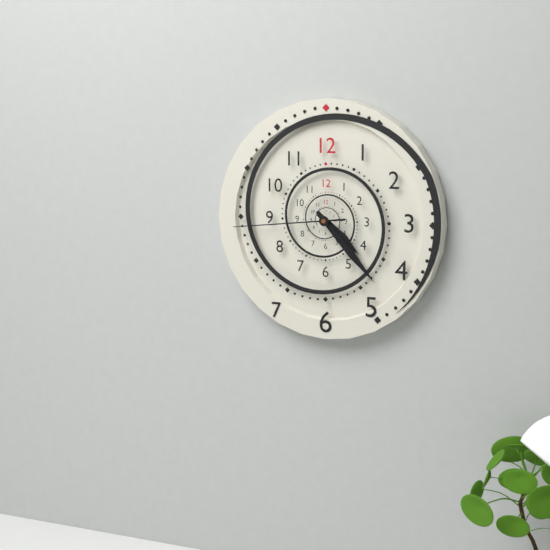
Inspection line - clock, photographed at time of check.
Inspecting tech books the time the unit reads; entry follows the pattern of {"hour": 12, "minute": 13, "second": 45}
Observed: {"hour": 4, "minute": 23, "second": 44}
